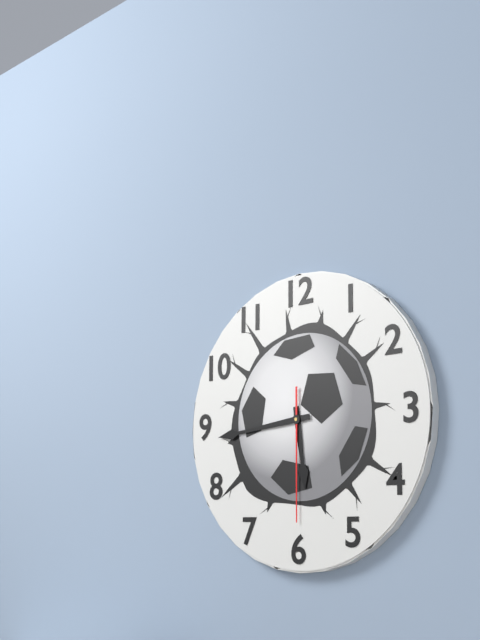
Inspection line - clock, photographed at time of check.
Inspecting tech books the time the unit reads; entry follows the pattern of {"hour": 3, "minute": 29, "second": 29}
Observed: {"hour": 5, "minute": 44, "second": 30}
